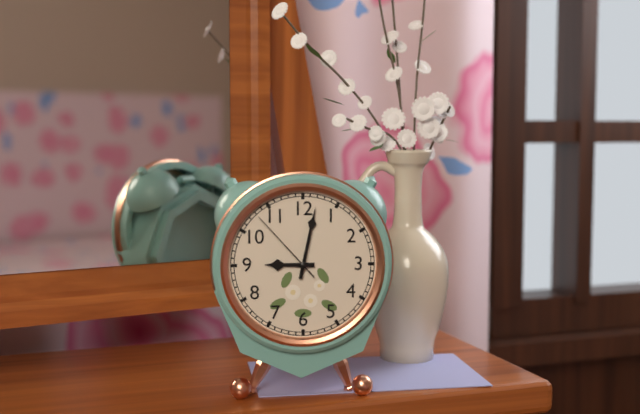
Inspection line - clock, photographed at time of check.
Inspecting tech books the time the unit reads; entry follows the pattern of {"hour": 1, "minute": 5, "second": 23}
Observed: {"hour": 9, "minute": 2, "second": 53}
